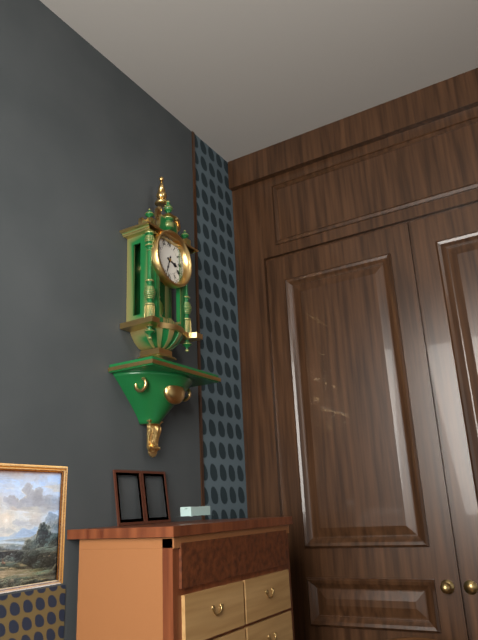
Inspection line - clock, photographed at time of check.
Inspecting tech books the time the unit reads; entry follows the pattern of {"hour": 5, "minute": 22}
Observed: {"hour": 3, "minute": 33}
